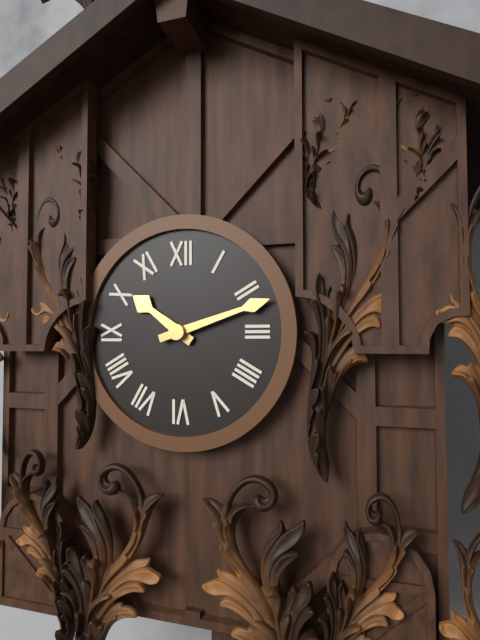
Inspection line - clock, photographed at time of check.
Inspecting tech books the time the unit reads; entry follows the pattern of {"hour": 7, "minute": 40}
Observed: {"hour": 10, "minute": 12}
